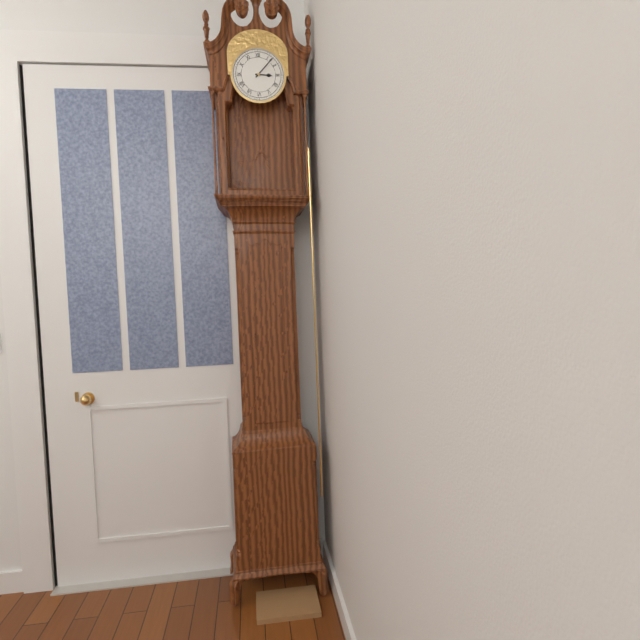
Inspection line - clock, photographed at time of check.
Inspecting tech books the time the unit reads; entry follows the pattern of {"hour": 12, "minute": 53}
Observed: {"hour": 3, "minute": 7}
